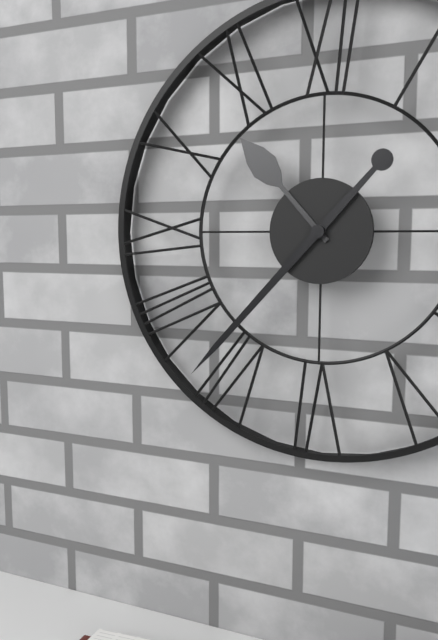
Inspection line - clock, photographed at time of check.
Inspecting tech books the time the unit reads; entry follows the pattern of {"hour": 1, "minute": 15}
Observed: {"hour": 10, "minute": 37}
